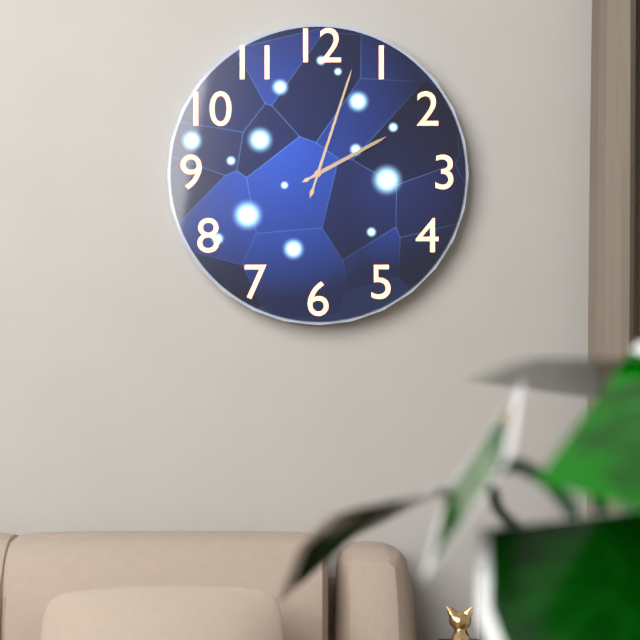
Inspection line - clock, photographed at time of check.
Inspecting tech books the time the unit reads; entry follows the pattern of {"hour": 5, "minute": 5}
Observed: {"hour": 2, "minute": 3}
